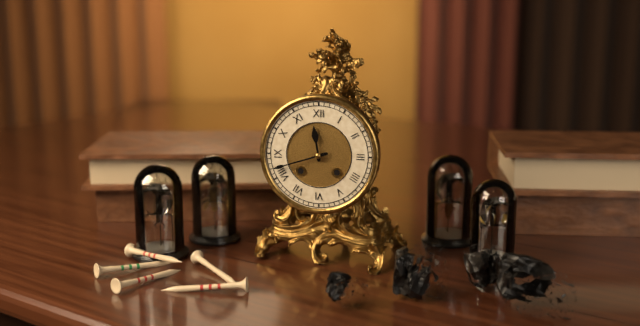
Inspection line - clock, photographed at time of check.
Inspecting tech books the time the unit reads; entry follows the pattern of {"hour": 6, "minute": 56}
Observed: {"hour": 11, "minute": 42}
